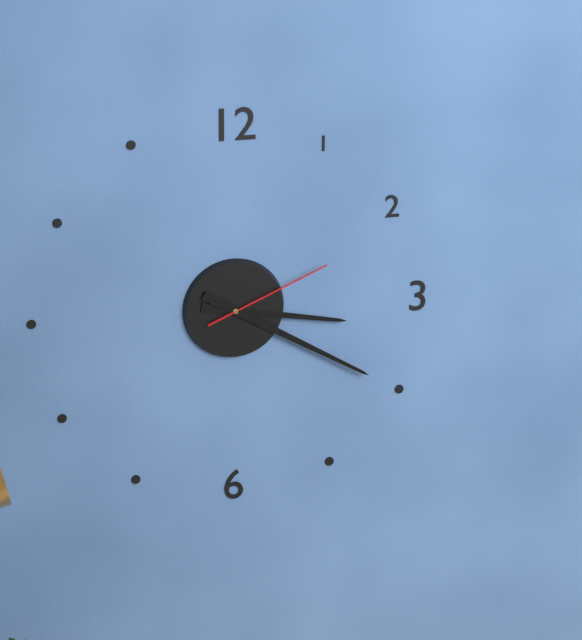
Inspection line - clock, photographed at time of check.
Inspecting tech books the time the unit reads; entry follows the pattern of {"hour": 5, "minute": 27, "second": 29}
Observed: {"hour": 3, "minute": 20, "second": 11}
